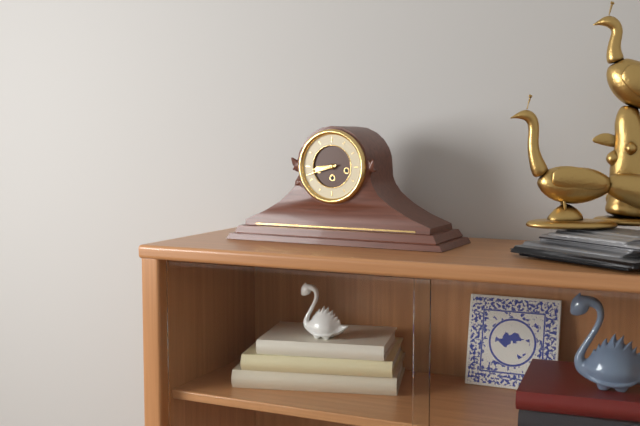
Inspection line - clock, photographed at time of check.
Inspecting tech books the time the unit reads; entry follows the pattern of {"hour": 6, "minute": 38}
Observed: {"hour": 8, "minute": 42}
